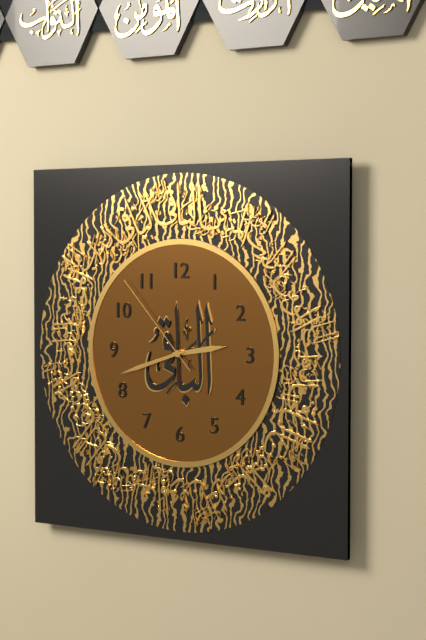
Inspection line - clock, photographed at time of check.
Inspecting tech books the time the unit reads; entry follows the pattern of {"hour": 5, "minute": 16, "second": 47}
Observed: {"hour": 2, "minute": 42, "second": 53}
